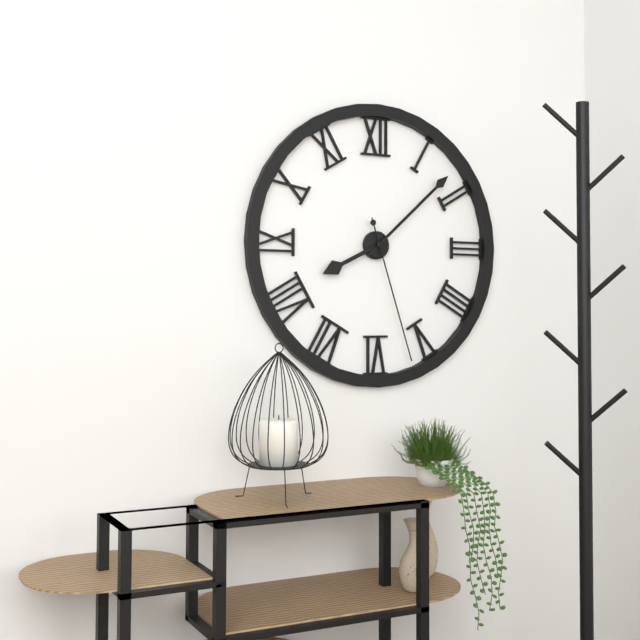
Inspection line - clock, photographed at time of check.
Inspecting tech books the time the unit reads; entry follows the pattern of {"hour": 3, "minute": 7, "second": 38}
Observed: {"hour": 8, "minute": 8, "second": 27}
